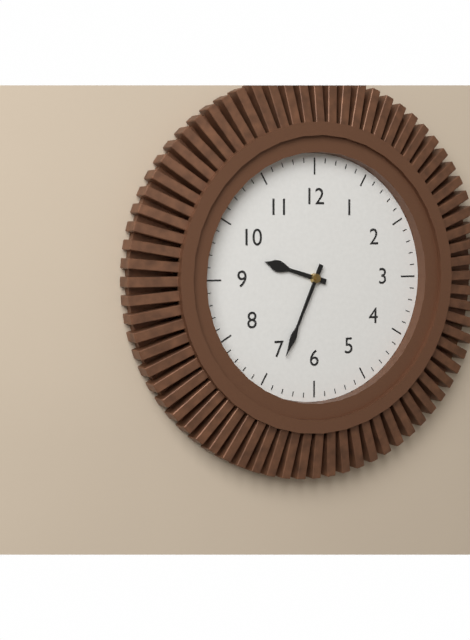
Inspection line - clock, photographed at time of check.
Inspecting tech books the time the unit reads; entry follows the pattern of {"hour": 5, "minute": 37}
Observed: {"hour": 9, "minute": 34}
